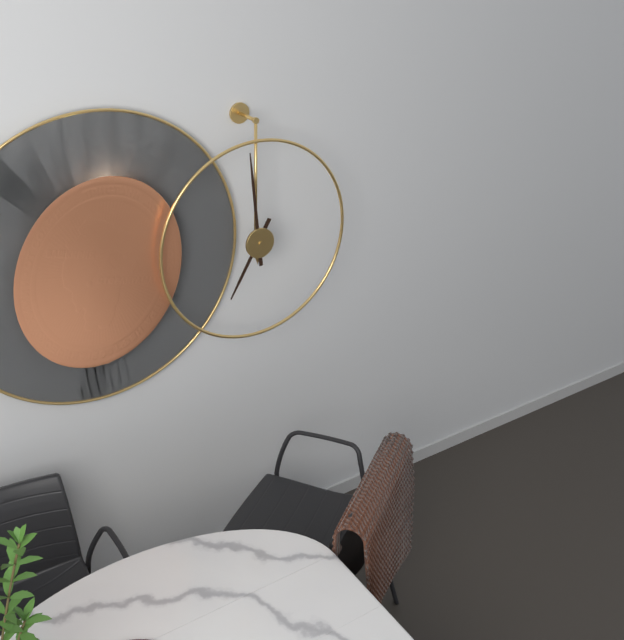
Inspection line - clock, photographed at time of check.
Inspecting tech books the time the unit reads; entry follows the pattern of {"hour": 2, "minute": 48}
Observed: {"hour": 6, "minute": 59}
